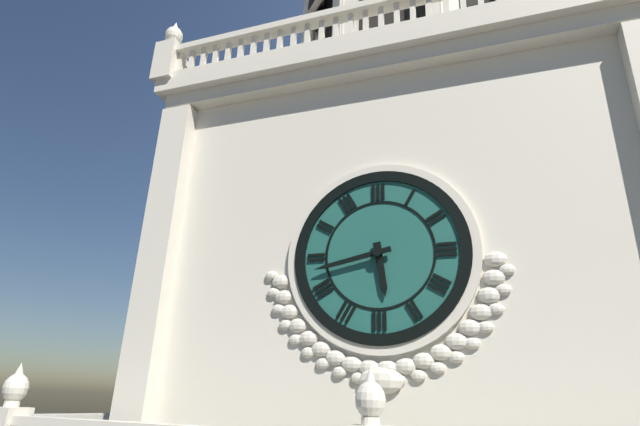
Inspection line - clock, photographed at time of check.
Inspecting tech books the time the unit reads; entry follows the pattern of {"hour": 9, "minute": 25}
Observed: {"hour": 5, "minute": 43}
